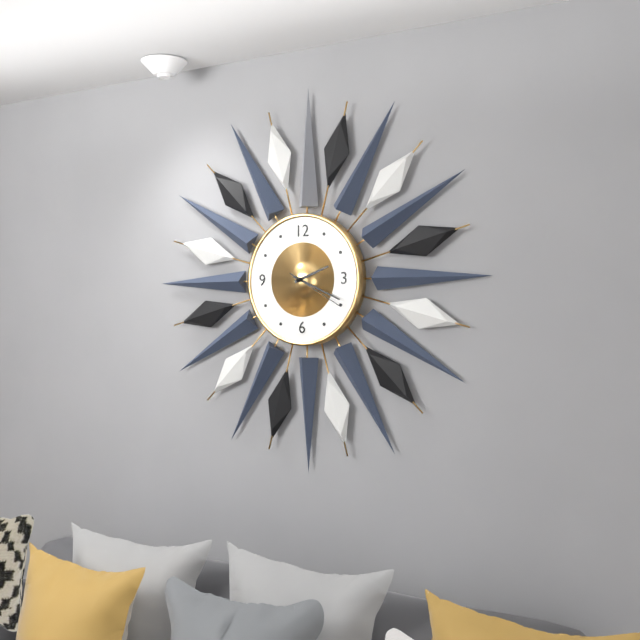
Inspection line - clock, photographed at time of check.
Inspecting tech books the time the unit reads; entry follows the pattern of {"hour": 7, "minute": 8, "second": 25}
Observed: {"hour": 2, "minute": 19, "second": 20}
